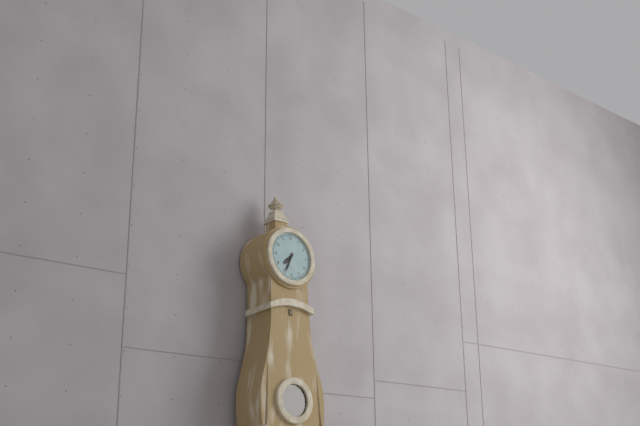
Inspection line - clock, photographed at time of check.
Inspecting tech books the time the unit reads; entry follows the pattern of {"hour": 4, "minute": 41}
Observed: {"hour": 7, "minute": 34}
